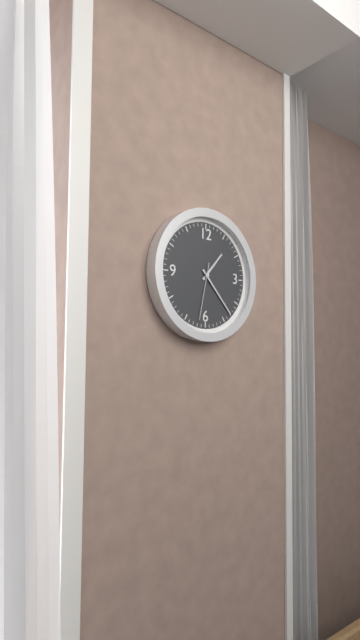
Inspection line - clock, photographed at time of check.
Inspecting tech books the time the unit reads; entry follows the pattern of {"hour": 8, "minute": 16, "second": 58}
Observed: {"hour": 1, "minute": 23, "second": 32}
